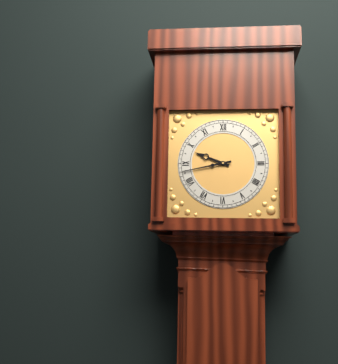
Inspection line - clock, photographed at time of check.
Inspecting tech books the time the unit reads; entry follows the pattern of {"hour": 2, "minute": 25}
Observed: {"hour": 9, "minute": 43}
